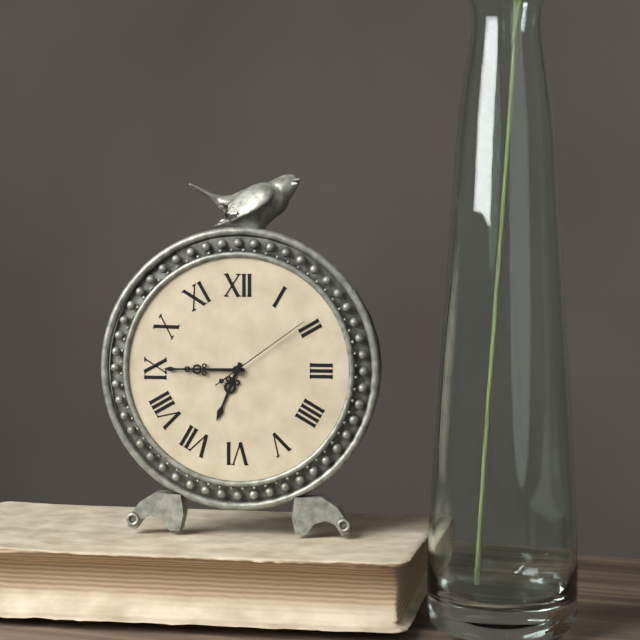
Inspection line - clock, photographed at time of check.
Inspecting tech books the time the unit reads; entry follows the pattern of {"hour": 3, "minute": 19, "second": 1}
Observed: {"hour": 6, "minute": 45, "second": 9}
